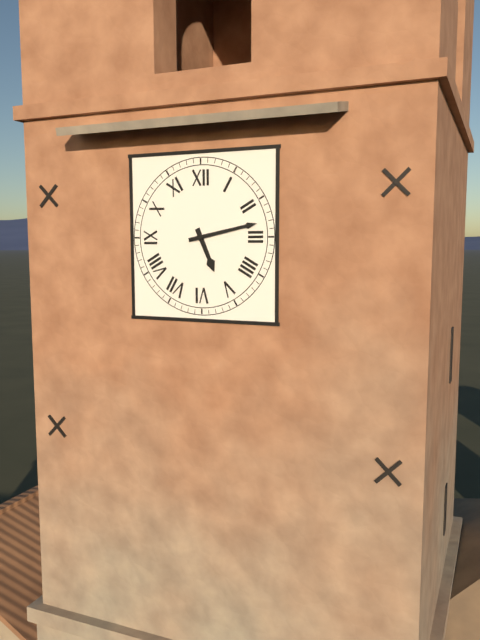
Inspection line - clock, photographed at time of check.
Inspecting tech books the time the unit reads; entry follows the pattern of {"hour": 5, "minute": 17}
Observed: {"hour": 5, "minute": 13}
